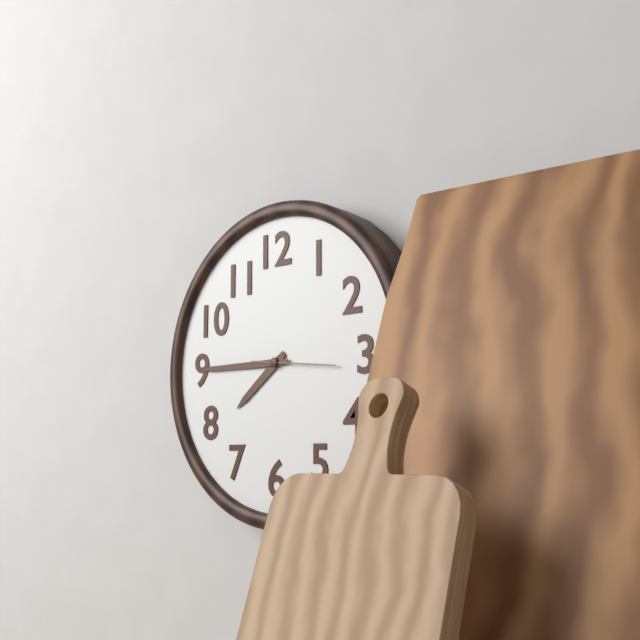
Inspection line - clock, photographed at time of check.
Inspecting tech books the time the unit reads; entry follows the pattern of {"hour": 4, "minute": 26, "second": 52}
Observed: {"hour": 7, "minute": 45, "second": 16}
